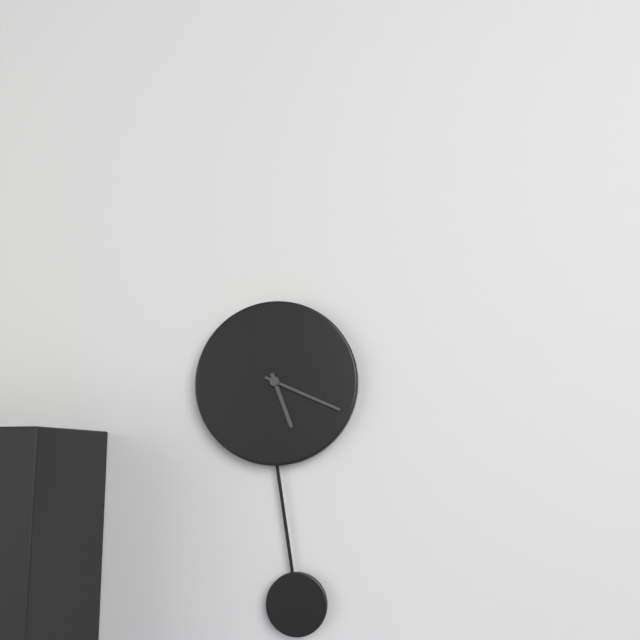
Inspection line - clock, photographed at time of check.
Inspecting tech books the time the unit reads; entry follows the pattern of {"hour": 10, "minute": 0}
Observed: {"hour": 5, "minute": 19}
